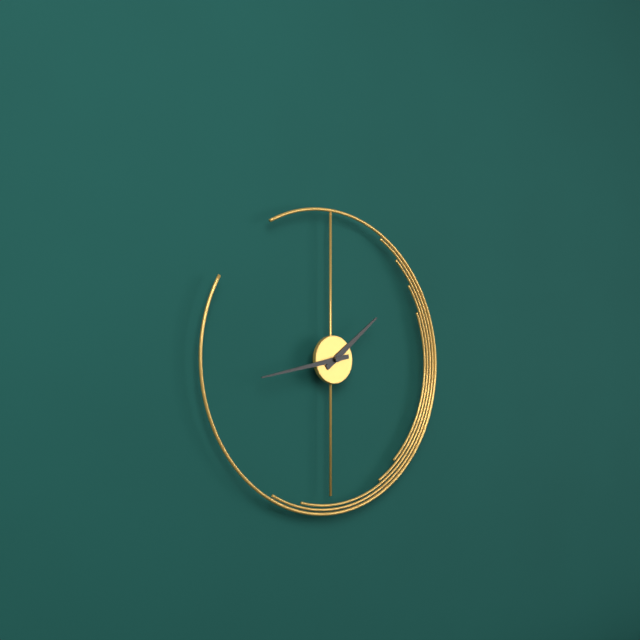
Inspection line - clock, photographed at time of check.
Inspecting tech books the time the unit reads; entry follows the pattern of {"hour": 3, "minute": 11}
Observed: {"hour": 1, "minute": 43}
